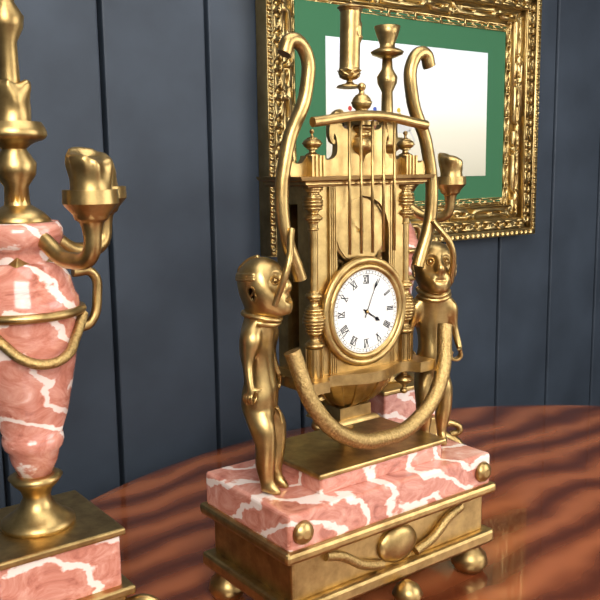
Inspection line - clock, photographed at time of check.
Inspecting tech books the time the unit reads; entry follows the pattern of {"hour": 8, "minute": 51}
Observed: {"hour": 4, "minute": 4}
